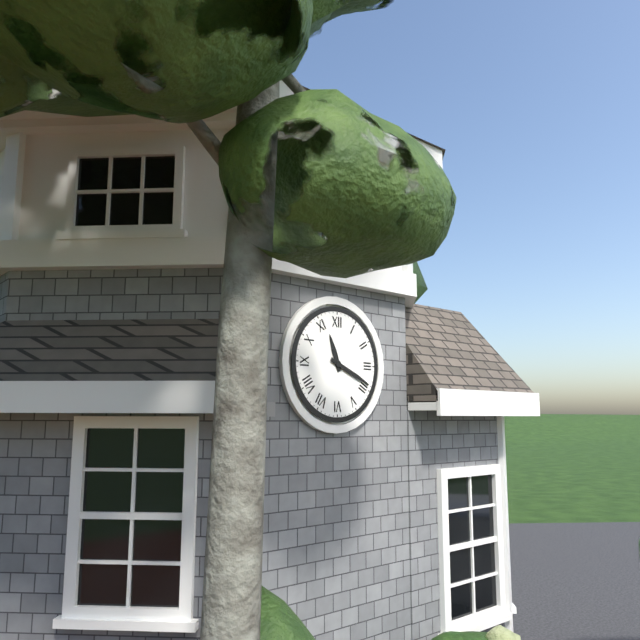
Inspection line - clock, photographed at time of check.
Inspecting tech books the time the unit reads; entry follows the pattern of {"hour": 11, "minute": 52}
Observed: {"hour": 11, "minute": 19}
